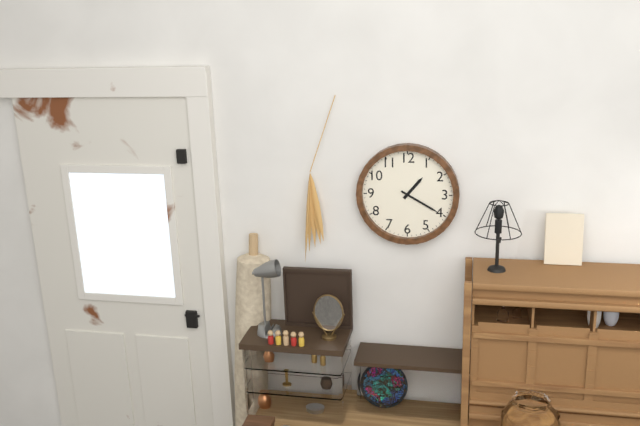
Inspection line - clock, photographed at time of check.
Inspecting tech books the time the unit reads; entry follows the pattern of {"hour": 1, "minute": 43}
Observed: {"hour": 1, "minute": 20}
